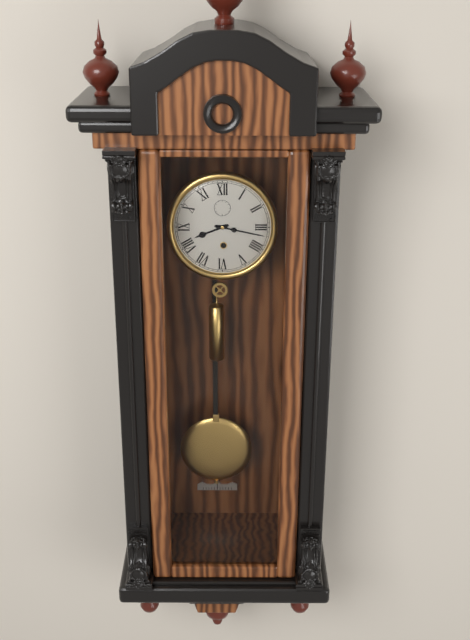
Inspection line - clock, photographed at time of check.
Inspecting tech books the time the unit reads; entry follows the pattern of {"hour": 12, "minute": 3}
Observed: {"hour": 8, "minute": 17}
